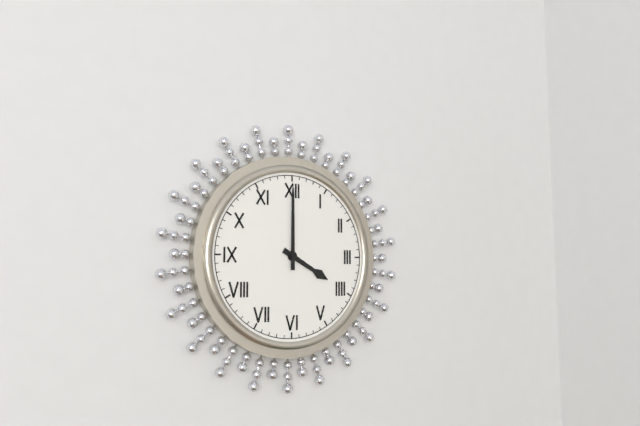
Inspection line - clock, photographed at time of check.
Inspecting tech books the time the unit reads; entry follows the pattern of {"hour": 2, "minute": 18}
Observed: {"hour": 4, "minute": 0}
